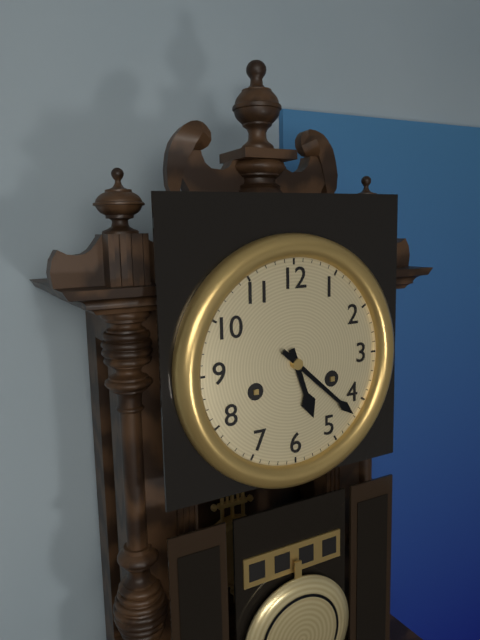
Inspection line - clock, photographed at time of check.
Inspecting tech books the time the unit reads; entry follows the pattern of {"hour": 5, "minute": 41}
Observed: {"hour": 5, "minute": 22}
